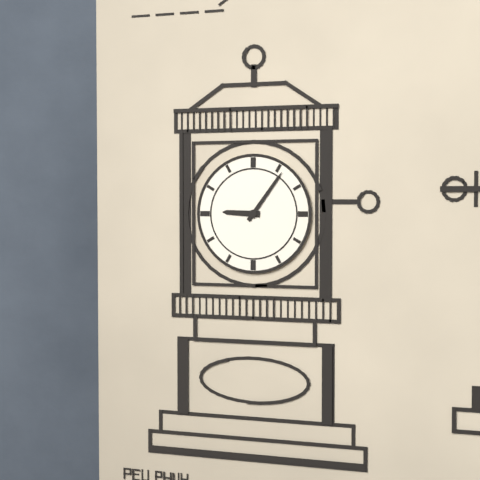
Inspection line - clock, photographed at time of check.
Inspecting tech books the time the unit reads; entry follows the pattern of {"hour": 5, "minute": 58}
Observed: {"hour": 9, "minute": 6}
